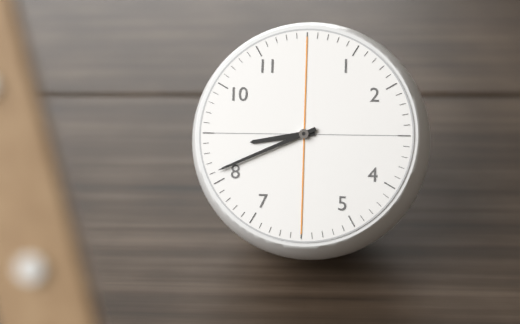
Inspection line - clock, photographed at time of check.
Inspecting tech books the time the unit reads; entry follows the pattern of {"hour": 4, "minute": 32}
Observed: {"hour": 8, "minute": 41}
